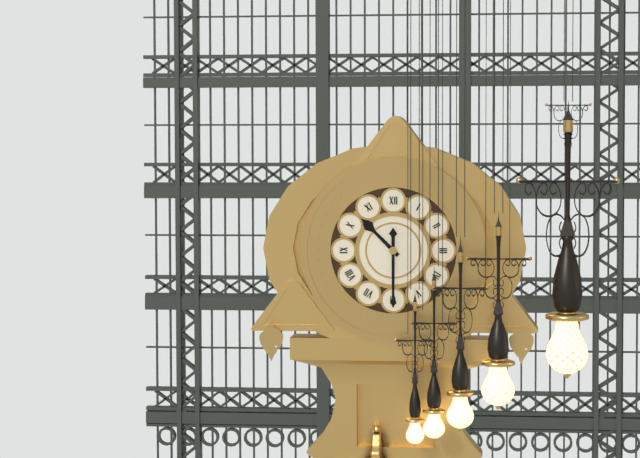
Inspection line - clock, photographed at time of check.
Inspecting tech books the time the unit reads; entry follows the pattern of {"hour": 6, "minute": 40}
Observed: {"hour": 10, "minute": 30}
